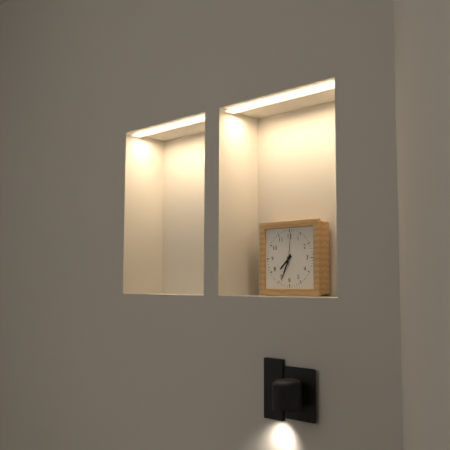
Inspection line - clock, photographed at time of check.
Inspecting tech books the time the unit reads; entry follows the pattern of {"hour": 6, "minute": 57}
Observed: {"hour": 7, "minute": 34}
